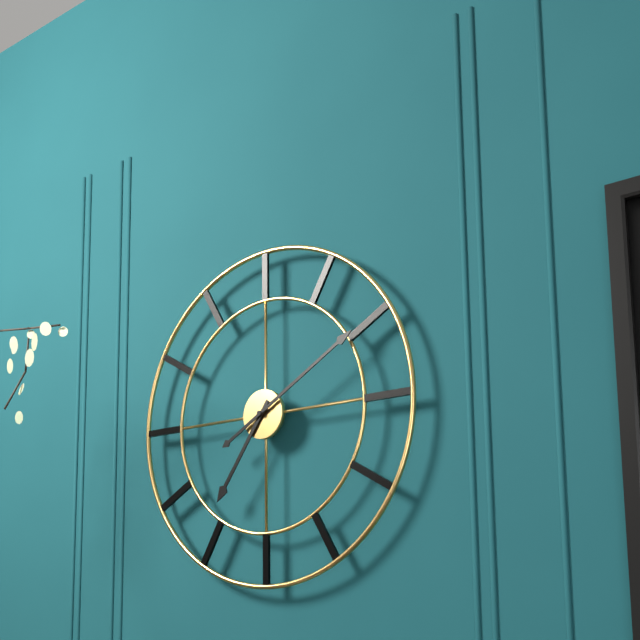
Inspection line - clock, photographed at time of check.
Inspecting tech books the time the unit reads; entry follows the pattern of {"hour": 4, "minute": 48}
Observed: {"hour": 7, "minute": 10}
